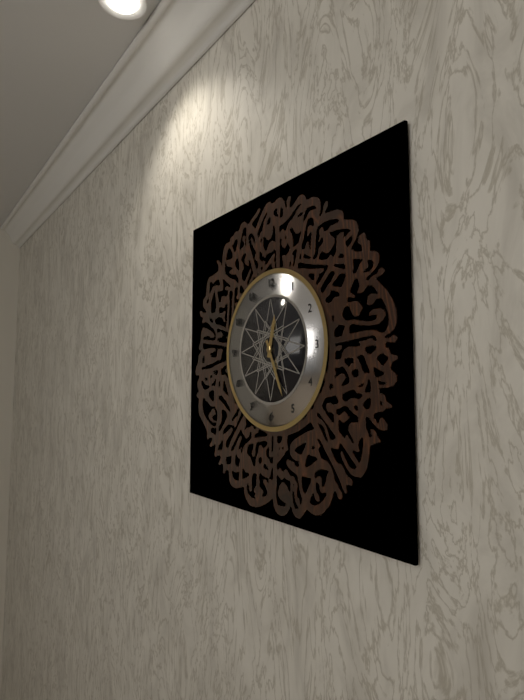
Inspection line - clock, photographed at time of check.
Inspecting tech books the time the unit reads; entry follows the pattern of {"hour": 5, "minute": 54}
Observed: {"hour": 12, "minute": 26}
